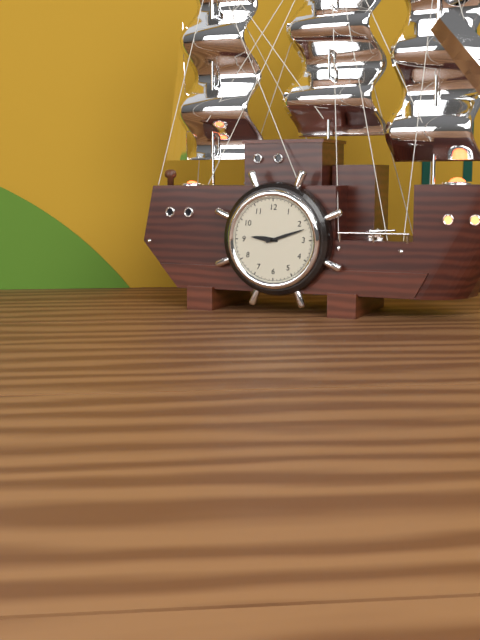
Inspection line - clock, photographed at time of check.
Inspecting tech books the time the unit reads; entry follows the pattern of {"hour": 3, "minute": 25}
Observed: {"hour": 9, "minute": 12}
